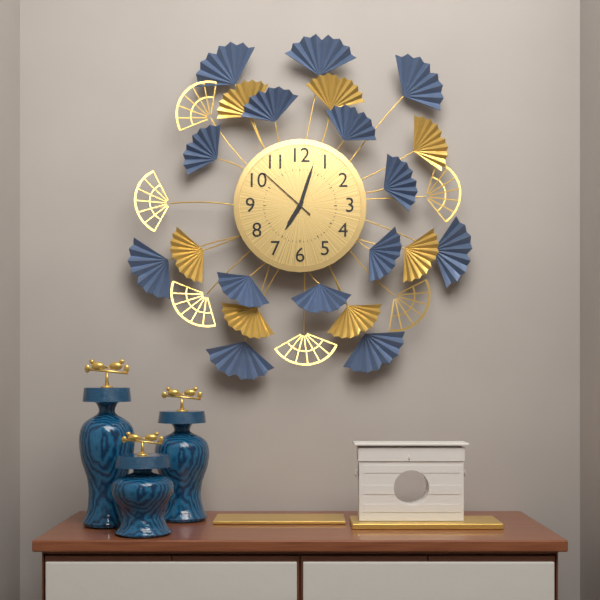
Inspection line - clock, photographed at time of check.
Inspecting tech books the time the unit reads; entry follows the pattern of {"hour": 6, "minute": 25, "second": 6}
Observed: {"hour": 7, "minute": 3, "second": 52}
